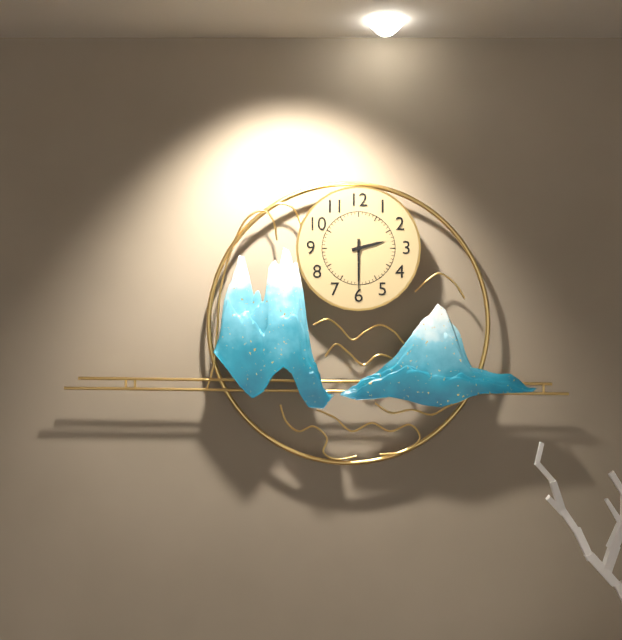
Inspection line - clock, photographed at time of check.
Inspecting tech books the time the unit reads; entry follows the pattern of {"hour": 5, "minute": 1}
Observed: {"hour": 2, "minute": 30}
